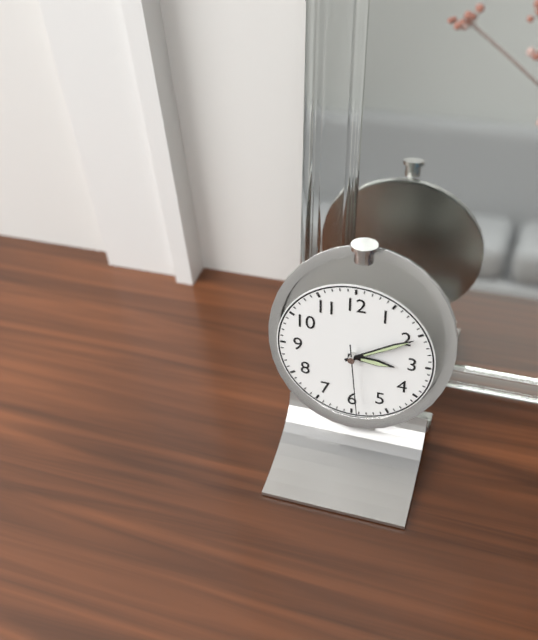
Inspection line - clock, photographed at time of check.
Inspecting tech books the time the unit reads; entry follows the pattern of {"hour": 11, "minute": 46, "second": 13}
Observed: {"hour": 3, "minute": 10, "second": 29}
